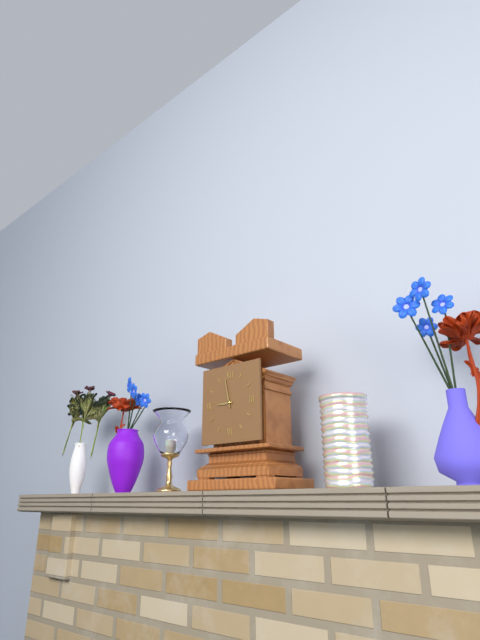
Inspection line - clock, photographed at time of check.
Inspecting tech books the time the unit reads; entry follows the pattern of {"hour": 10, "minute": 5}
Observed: {"hour": 8, "minute": 58}
